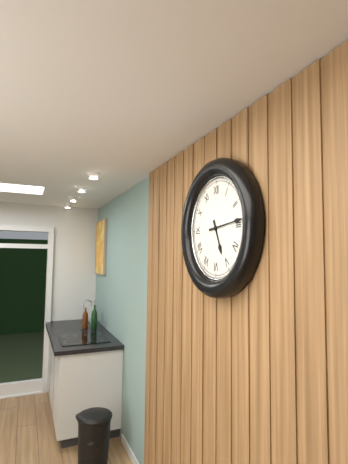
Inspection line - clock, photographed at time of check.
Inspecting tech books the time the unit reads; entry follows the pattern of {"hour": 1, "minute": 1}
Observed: {"hour": 5, "minute": 14}
